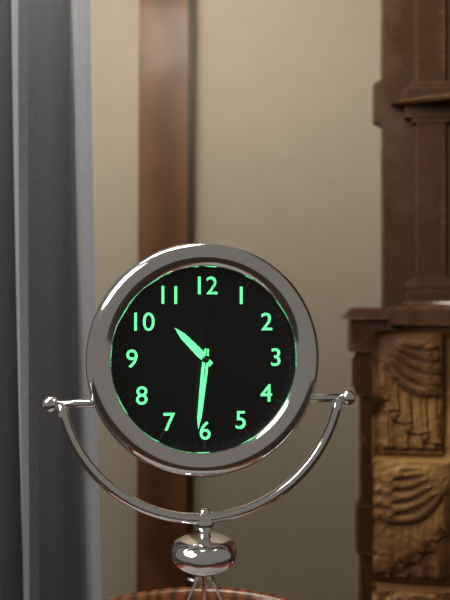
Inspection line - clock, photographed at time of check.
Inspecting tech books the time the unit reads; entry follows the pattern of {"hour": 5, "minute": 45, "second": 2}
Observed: {"hour": 10, "minute": 31, "second": 1}
